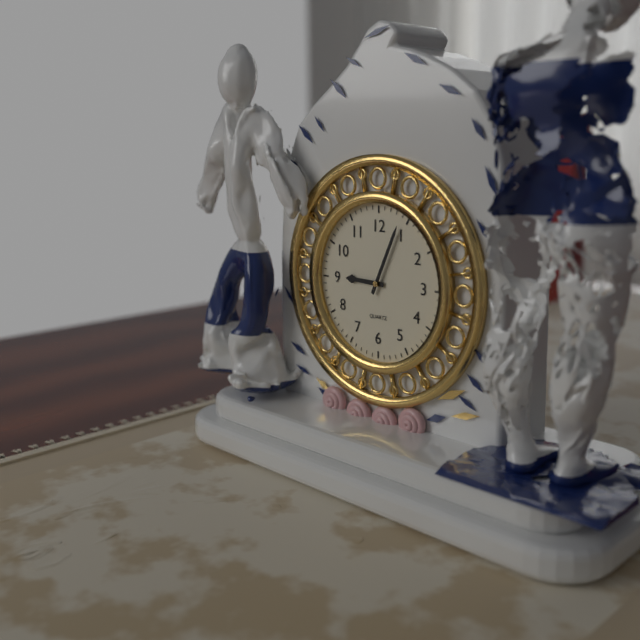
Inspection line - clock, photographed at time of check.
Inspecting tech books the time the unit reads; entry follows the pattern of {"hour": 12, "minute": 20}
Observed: {"hour": 9, "minute": 4}
